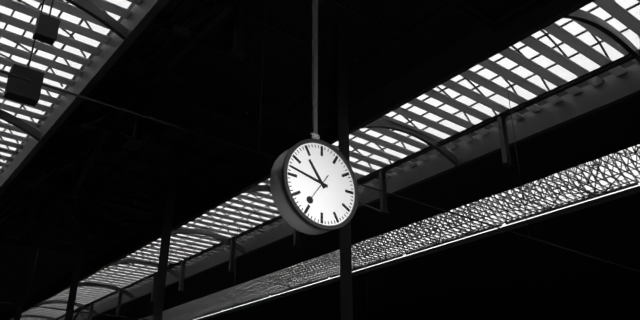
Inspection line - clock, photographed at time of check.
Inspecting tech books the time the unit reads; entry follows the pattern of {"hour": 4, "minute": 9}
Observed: {"hour": 10, "minute": 47}
